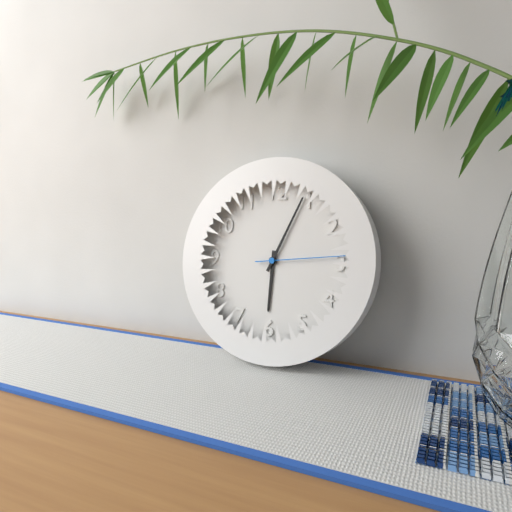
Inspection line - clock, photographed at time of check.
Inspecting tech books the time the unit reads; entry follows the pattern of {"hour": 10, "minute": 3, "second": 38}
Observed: {"hour": 6, "minute": 4, "second": 14}
